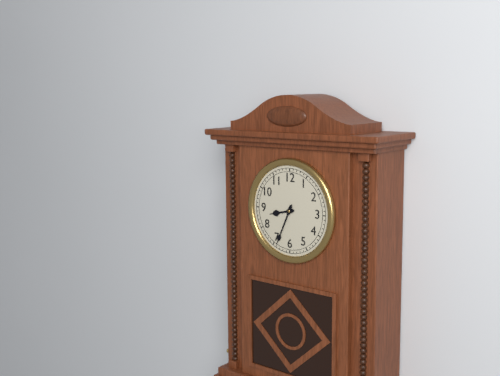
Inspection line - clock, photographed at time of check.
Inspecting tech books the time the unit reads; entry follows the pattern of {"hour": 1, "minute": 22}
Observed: {"hour": 8, "minute": 34}
